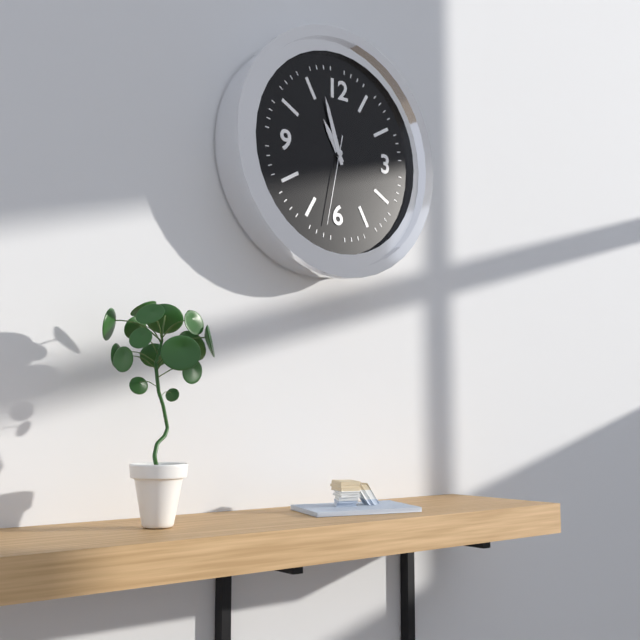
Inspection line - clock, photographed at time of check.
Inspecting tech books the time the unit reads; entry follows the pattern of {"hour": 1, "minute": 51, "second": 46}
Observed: {"hour": 10, "minute": 57, "second": 32}
